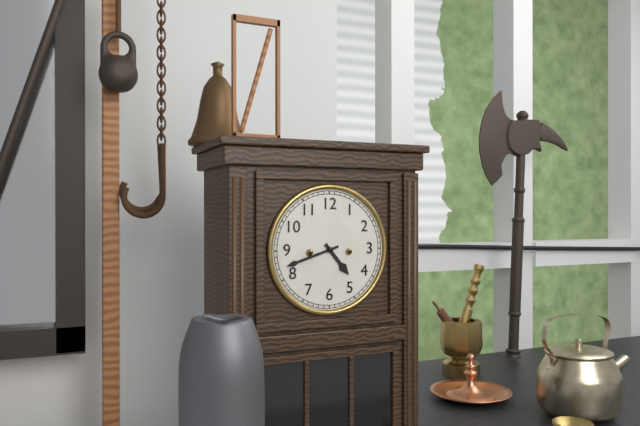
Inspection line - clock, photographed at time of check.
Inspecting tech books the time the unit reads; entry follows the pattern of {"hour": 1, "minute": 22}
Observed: {"hour": 4, "minute": 42}
